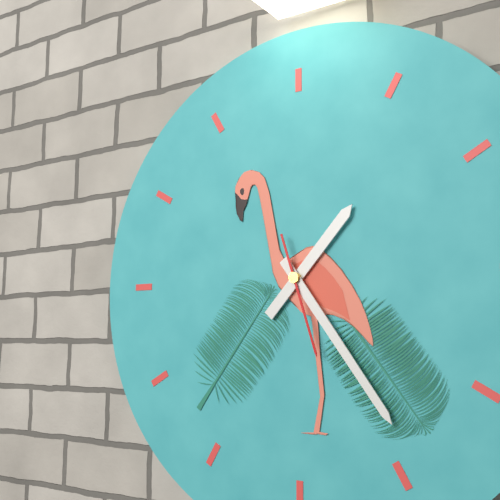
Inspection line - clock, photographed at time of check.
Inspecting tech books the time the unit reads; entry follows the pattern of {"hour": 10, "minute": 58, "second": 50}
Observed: {"hour": 1, "minute": 24, "second": 27}
